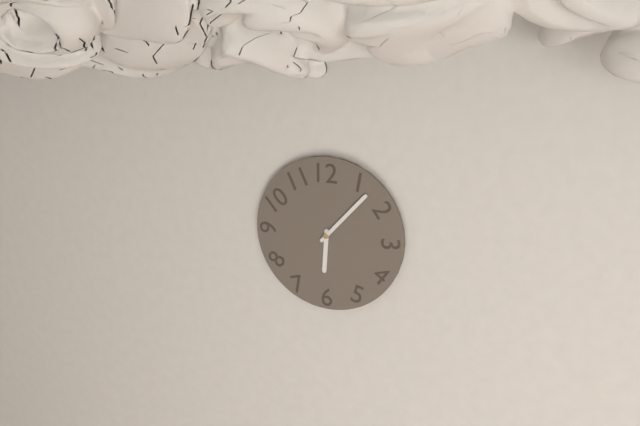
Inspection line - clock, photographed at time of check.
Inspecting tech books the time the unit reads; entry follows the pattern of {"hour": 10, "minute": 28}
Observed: {"hour": 6, "minute": 7}
